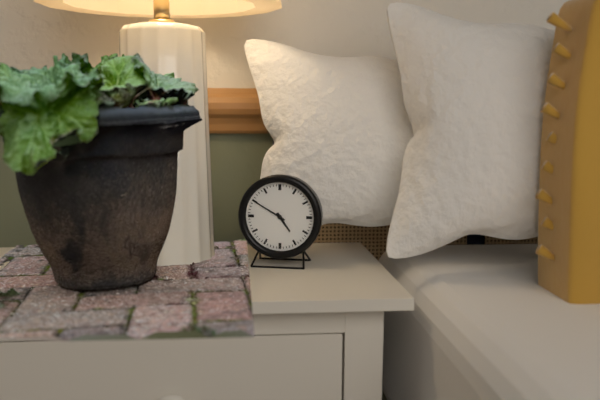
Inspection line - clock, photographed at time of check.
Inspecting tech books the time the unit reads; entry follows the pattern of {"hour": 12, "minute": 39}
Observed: {"hour": 4, "minute": 50}
